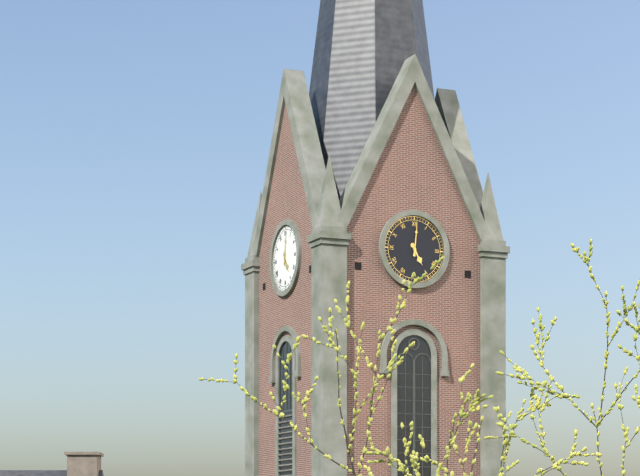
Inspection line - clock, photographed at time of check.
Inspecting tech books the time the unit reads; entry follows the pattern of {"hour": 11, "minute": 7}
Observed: {"hour": 5, "minute": 1}
